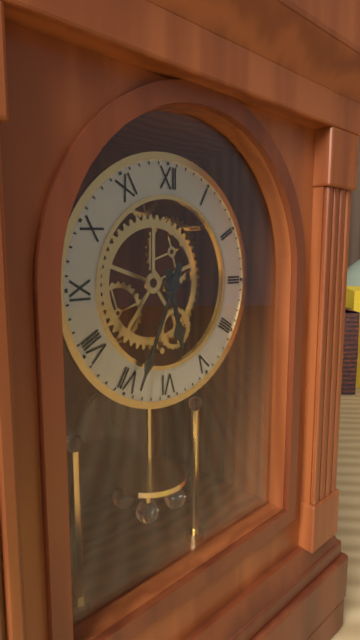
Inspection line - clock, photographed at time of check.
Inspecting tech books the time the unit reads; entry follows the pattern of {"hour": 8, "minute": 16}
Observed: {"hour": 5, "minute": 34}
